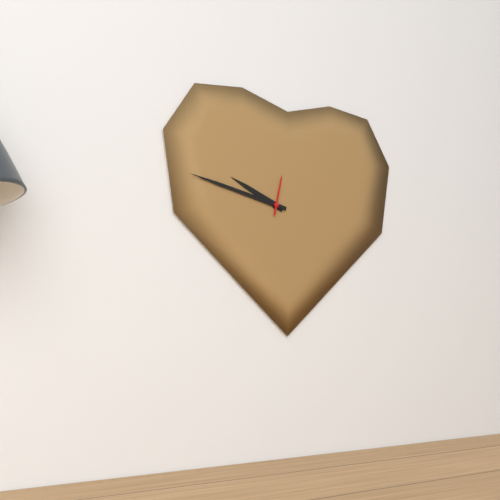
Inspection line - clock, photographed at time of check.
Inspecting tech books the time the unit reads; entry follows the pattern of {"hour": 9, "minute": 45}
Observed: {"hour": 9, "minute": 47}
